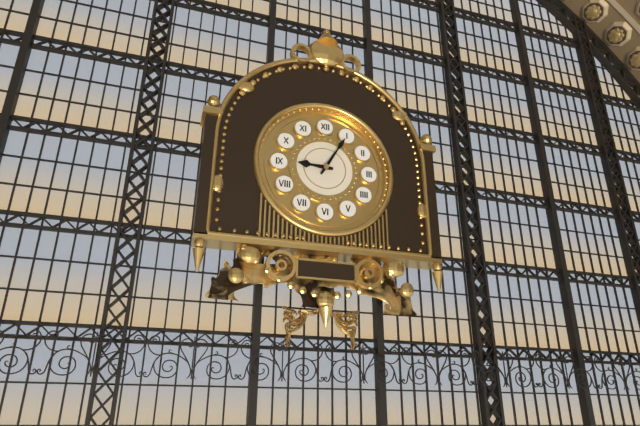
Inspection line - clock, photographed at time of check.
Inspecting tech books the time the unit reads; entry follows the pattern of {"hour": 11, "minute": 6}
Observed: {"hour": 9, "minute": 5}
